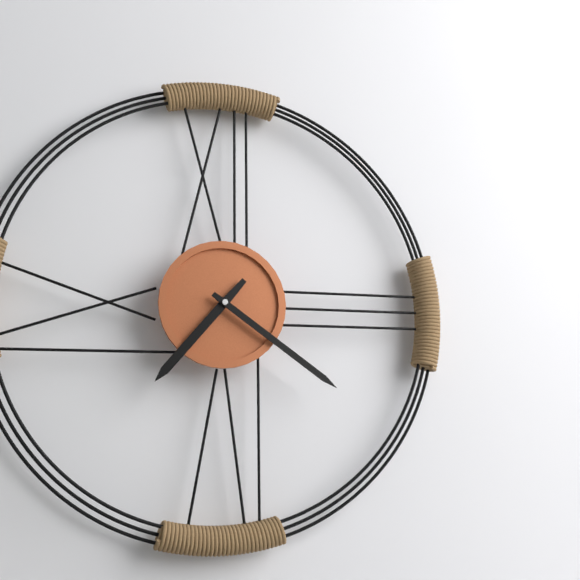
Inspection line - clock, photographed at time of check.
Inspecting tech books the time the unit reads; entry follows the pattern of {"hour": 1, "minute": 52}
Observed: {"hour": 7, "minute": 21}
